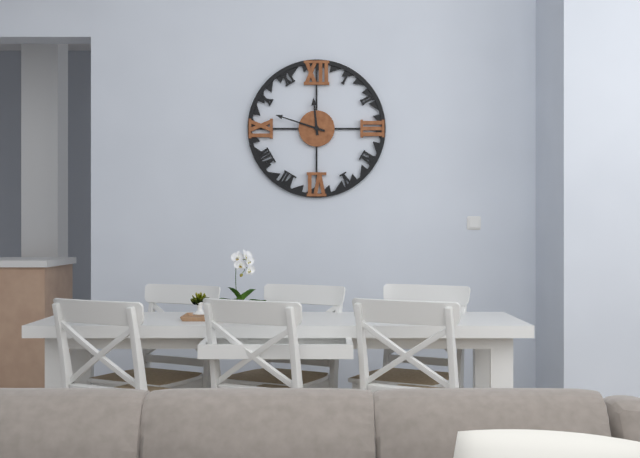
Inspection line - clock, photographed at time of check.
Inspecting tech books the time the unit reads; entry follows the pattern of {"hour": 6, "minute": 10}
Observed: {"hour": 11, "minute": 48}
